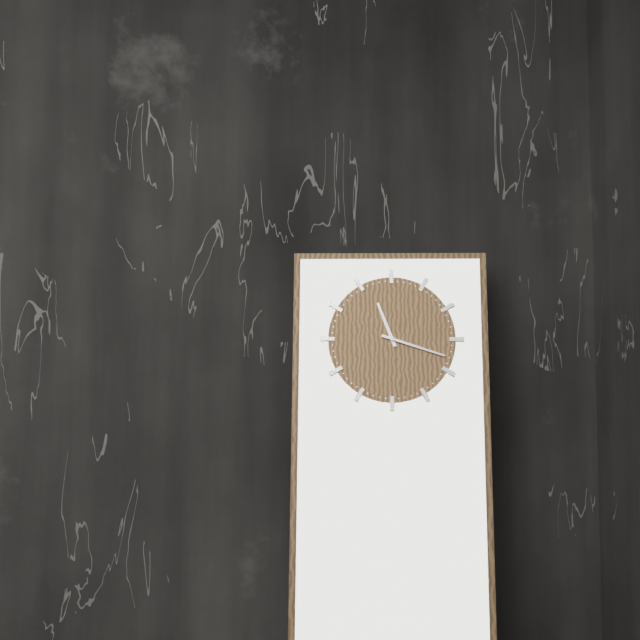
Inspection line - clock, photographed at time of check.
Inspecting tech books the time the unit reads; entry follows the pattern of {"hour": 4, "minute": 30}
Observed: {"hour": 11, "minute": 18}
